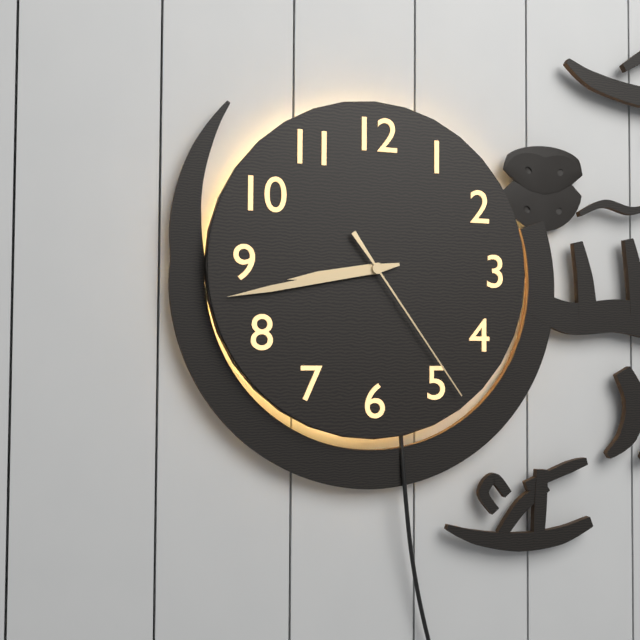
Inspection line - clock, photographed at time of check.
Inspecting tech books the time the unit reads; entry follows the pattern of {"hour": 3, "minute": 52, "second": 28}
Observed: {"hour": 8, "minute": 43, "second": 24}
